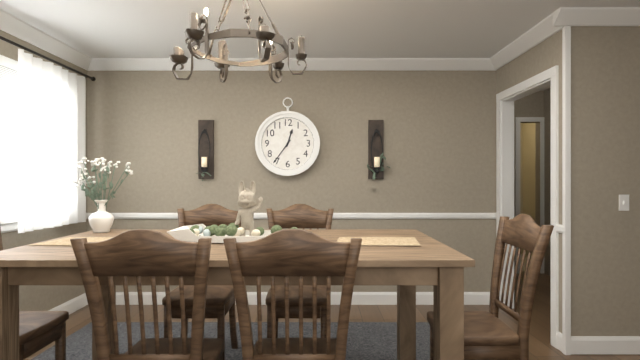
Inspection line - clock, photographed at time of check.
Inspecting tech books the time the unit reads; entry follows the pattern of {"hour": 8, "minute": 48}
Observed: {"hour": 12, "minute": 36}
